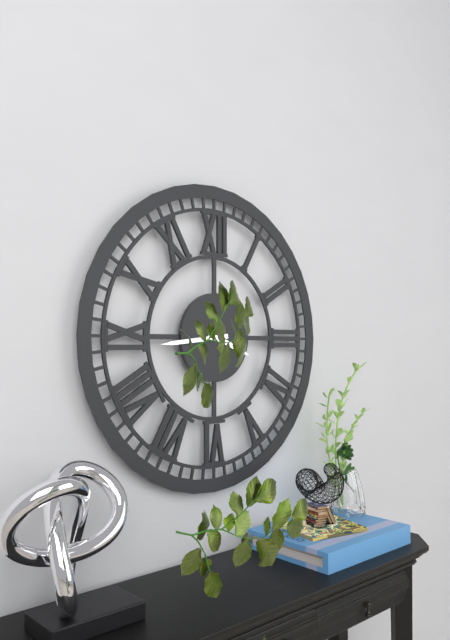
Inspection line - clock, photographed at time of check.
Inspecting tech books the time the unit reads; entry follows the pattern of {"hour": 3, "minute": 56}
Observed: {"hour": 3, "minute": 44}
